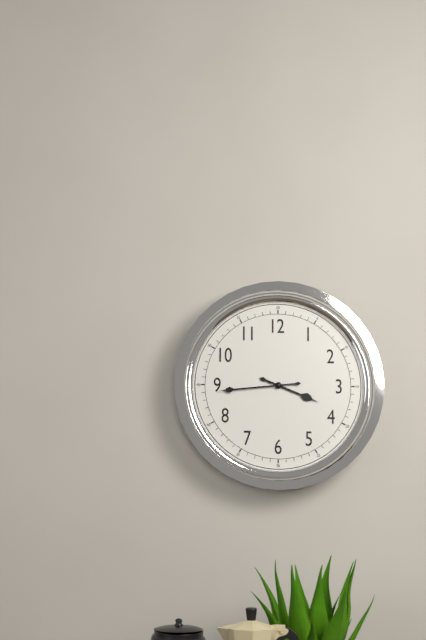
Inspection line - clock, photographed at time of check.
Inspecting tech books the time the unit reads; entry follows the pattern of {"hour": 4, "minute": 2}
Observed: {"hour": 3, "minute": 44}
